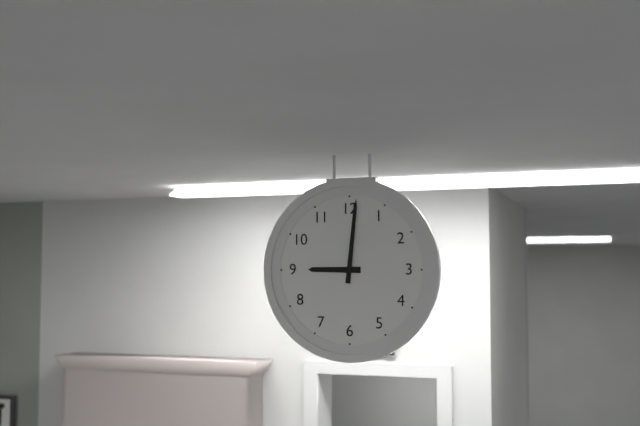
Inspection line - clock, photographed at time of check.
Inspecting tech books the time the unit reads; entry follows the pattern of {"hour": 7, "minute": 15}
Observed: {"hour": 9, "minute": 1}
